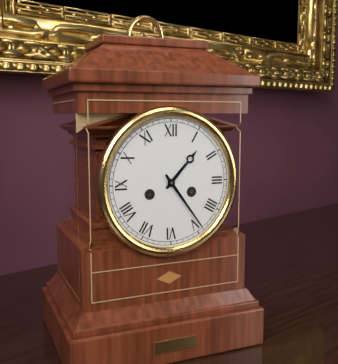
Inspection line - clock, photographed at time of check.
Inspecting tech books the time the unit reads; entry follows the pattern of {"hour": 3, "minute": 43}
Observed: {"hour": 1, "minute": 24}
